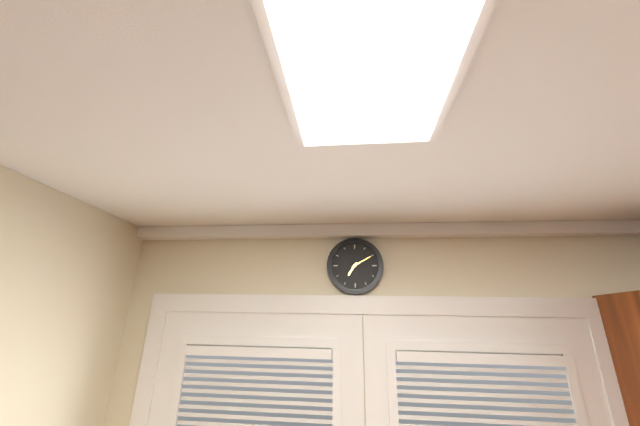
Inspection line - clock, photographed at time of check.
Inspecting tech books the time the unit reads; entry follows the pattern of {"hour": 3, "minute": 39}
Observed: {"hour": 7, "minute": 10}
